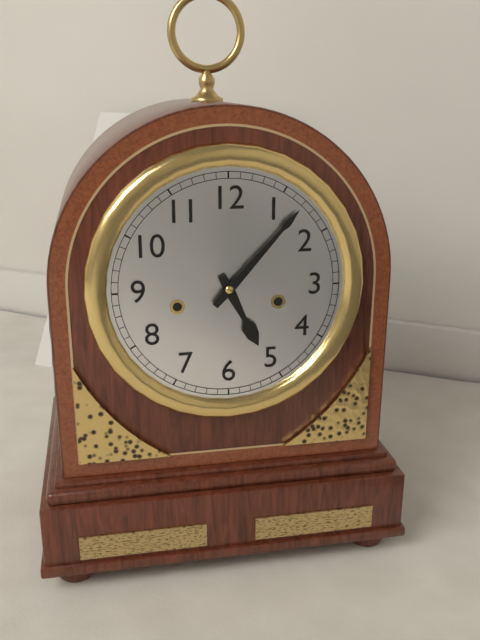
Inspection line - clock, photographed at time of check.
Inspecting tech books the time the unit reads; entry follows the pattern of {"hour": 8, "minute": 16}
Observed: {"hour": 5, "minute": 7}
